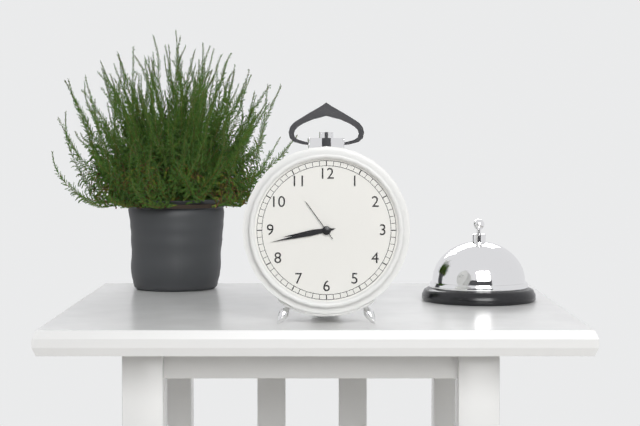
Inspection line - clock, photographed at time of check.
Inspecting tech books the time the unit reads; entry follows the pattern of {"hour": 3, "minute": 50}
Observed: {"hour": 8, "minute": 43}
